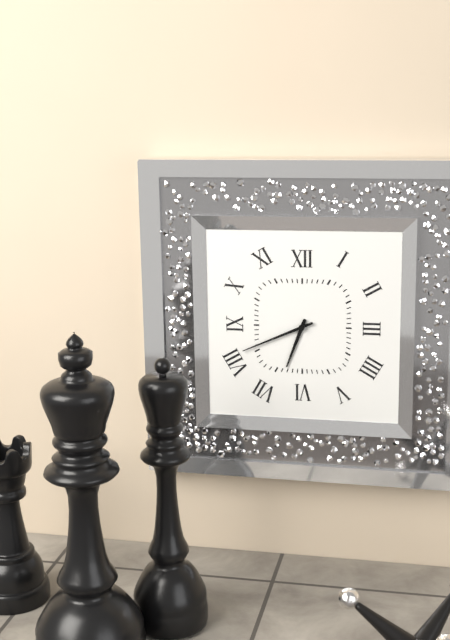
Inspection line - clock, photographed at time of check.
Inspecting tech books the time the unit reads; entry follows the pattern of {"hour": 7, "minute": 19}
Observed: {"hour": 6, "minute": 41}
